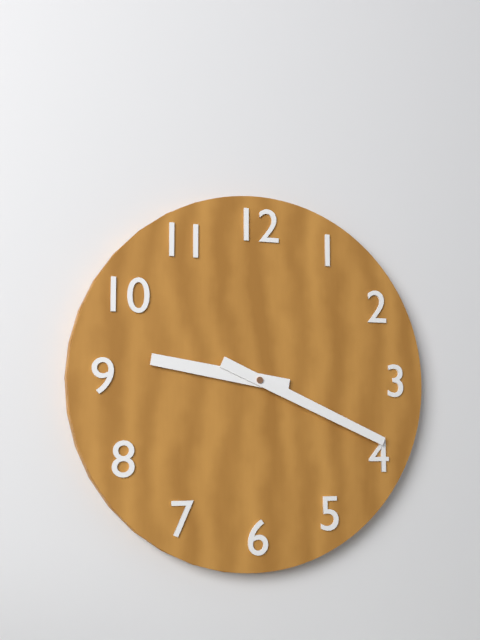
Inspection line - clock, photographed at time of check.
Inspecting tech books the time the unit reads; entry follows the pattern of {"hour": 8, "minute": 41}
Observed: {"hour": 9, "minute": 19}
